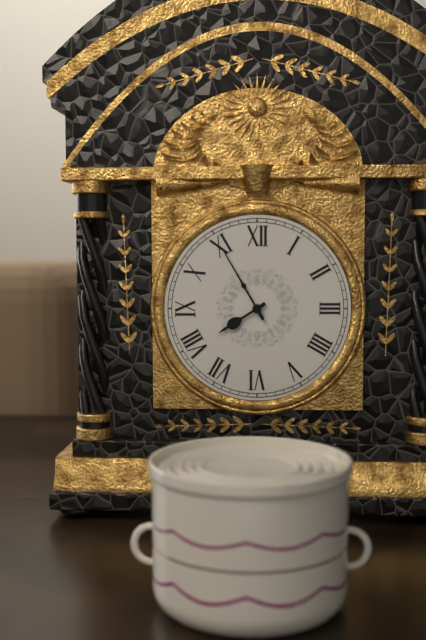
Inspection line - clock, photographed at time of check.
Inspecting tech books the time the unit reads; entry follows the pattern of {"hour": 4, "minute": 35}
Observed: {"hour": 7, "minute": 55}
